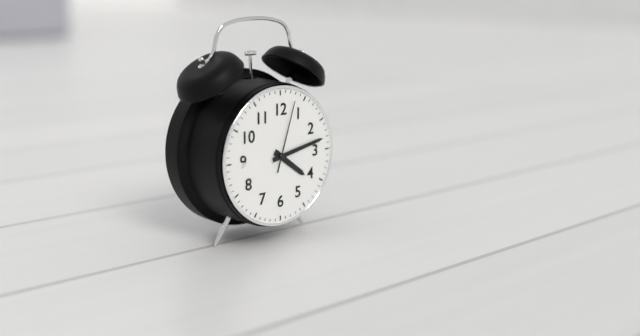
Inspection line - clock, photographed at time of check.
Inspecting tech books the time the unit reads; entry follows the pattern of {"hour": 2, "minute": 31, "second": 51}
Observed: {"hour": 4, "minute": 13, "second": 3}
